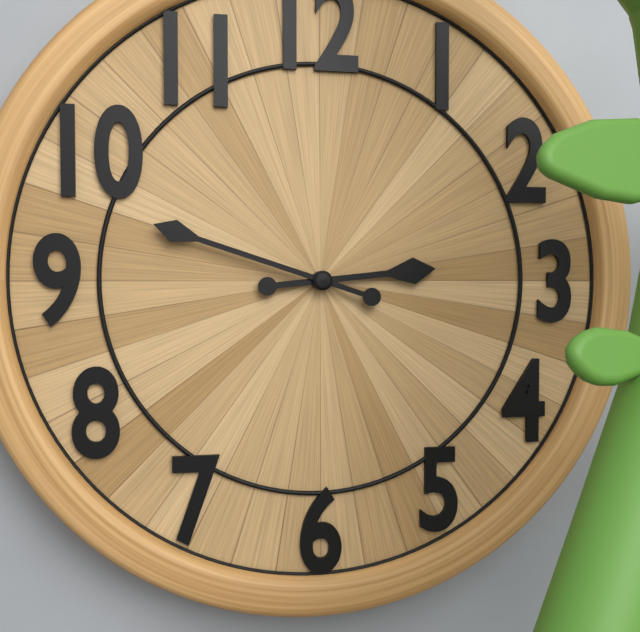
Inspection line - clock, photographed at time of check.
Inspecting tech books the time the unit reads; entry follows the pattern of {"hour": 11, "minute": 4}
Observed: {"hour": 2, "minute": 48}
